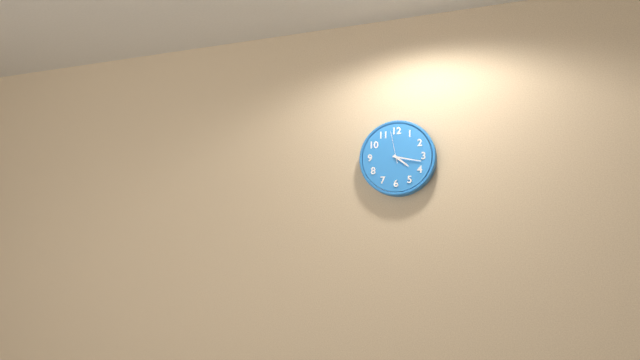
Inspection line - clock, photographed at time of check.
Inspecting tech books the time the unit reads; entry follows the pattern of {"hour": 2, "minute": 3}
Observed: {"hour": 4, "minute": 17}
